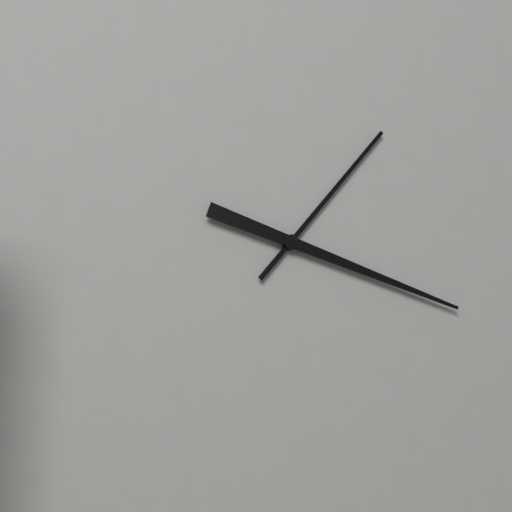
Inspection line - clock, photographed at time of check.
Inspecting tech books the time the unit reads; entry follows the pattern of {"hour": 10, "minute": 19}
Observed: {"hour": 1, "minute": 18}
